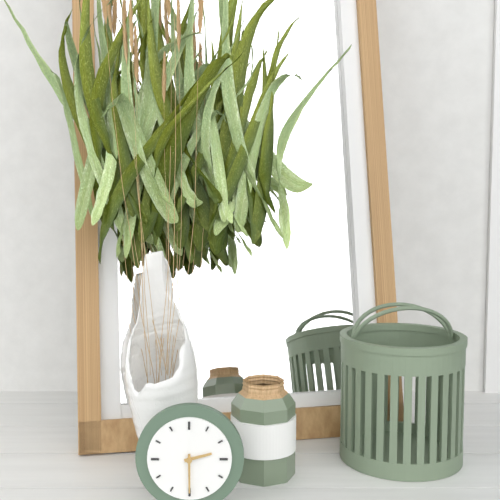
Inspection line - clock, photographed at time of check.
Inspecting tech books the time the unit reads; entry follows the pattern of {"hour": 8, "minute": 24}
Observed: {"hour": 2, "minute": 30}
